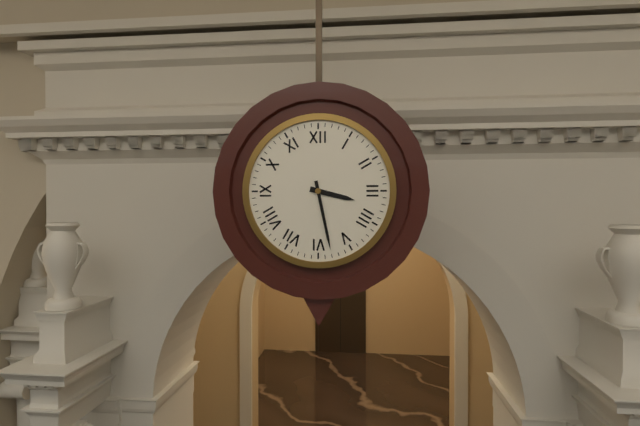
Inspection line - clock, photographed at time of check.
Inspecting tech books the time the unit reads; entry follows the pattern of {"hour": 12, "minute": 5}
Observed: {"hour": 3, "minute": 28}
